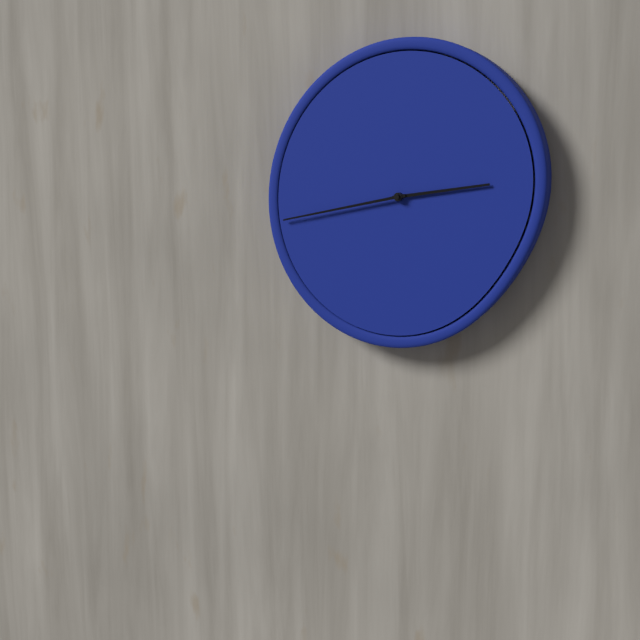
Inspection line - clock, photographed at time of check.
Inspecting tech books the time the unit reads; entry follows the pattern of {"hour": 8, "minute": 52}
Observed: {"hour": 2, "minute": 43}
